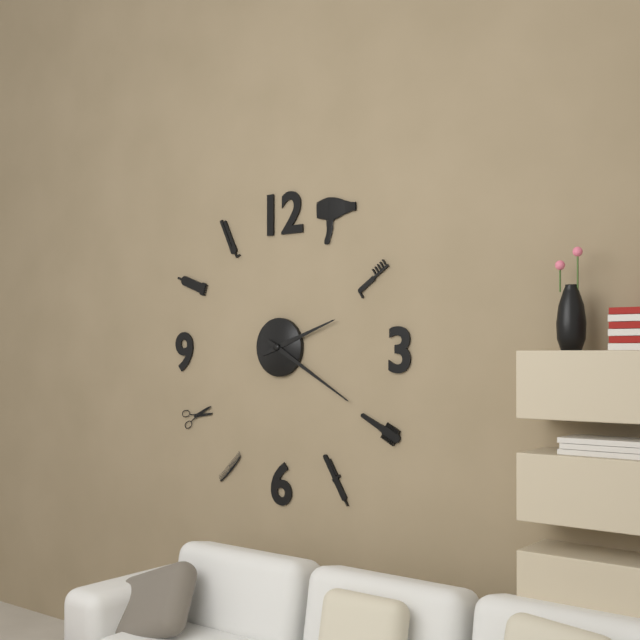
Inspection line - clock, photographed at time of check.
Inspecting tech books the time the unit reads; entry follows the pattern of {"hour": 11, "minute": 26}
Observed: {"hour": 2, "minute": 20}
